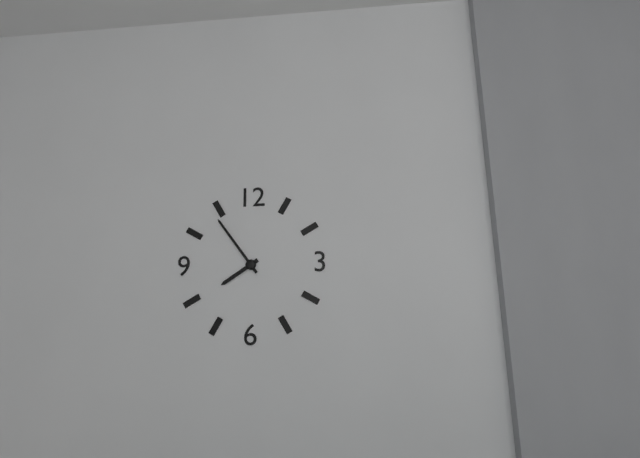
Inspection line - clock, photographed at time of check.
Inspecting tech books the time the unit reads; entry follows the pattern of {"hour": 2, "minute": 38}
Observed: {"hour": 7, "minute": 54}
